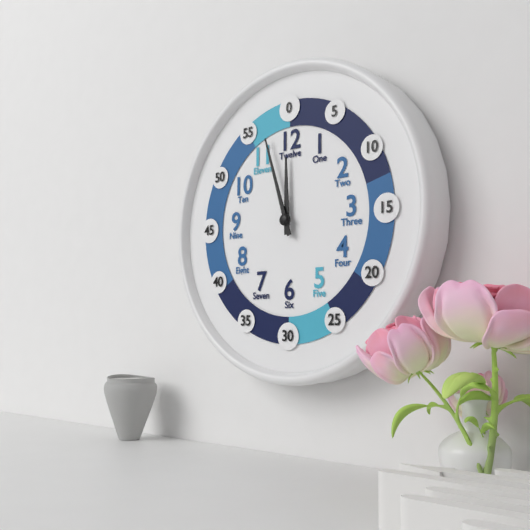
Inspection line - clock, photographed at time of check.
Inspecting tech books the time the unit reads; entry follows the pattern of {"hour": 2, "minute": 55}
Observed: {"hour": 11, "minute": 57}
